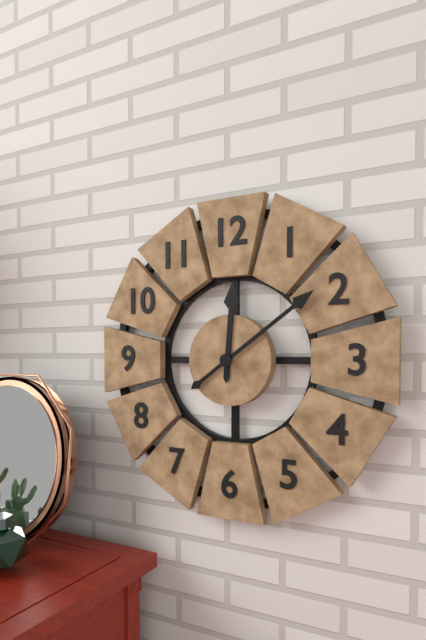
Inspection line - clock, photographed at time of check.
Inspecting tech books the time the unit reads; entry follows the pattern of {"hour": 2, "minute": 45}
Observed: {"hour": 12, "minute": 9}
